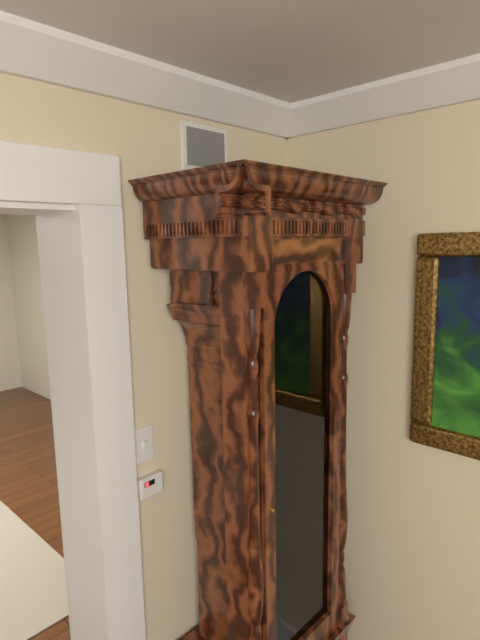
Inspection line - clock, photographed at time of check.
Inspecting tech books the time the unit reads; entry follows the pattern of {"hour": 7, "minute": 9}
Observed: {"hour": 6, "minute": 44}
